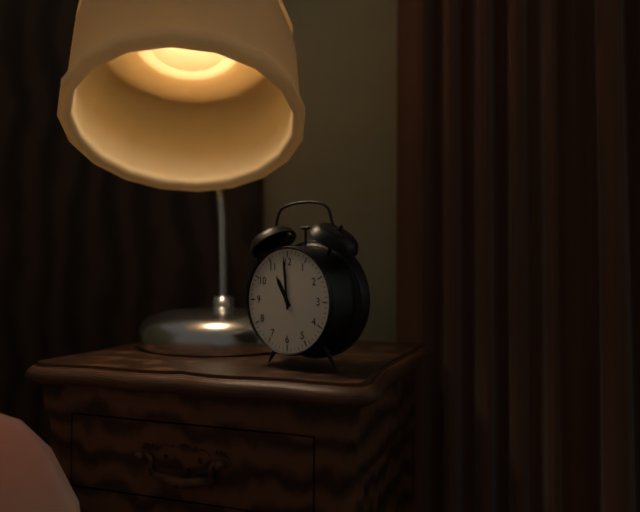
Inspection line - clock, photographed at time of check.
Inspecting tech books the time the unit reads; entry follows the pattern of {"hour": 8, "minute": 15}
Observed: {"hour": 10, "minute": 59}
